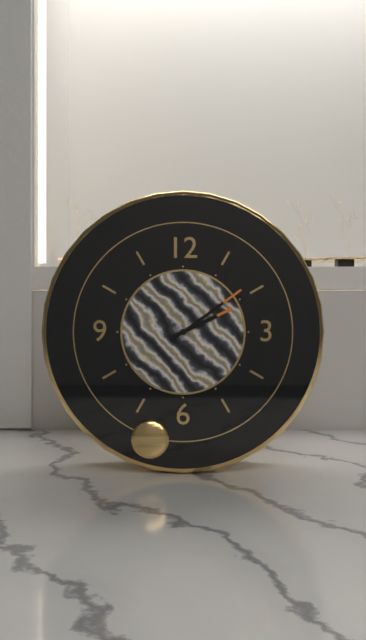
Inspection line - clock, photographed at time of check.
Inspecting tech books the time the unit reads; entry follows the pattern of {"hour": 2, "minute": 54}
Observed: {"hour": 2, "minute": 9}
